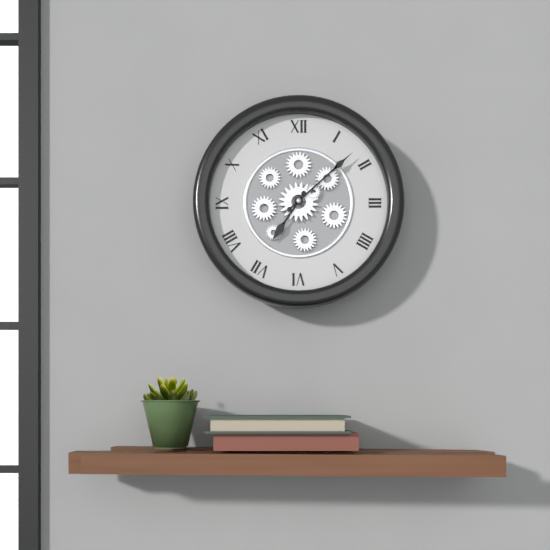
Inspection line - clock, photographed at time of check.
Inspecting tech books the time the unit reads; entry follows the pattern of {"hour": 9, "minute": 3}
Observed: {"hour": 7, "minute": 8}
